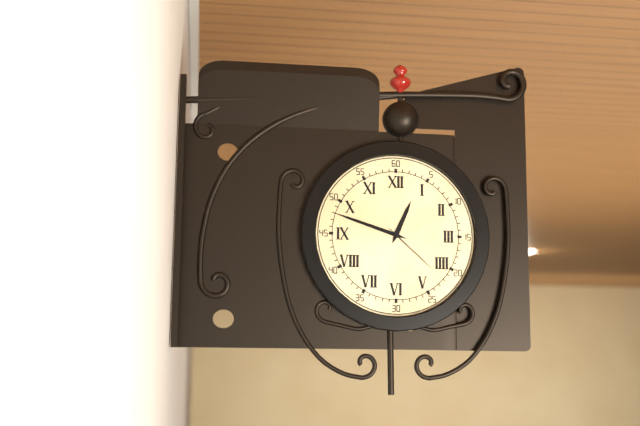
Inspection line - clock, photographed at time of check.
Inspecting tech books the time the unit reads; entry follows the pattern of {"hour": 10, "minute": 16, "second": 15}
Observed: {"hour": 12, "minute": 48, "second": 22}
